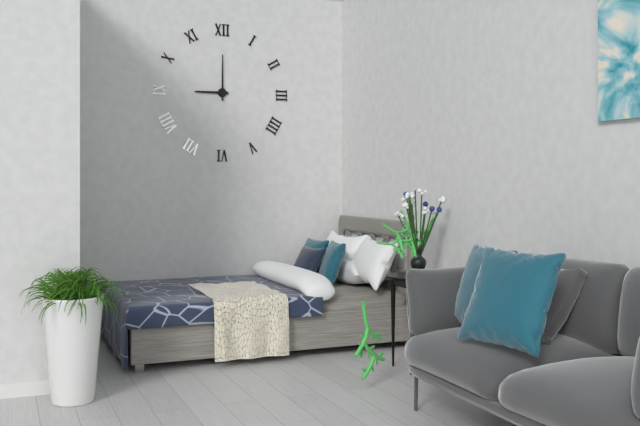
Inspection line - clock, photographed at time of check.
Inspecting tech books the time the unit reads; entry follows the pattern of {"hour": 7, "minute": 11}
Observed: {"hour": 9, "minute": 0}
